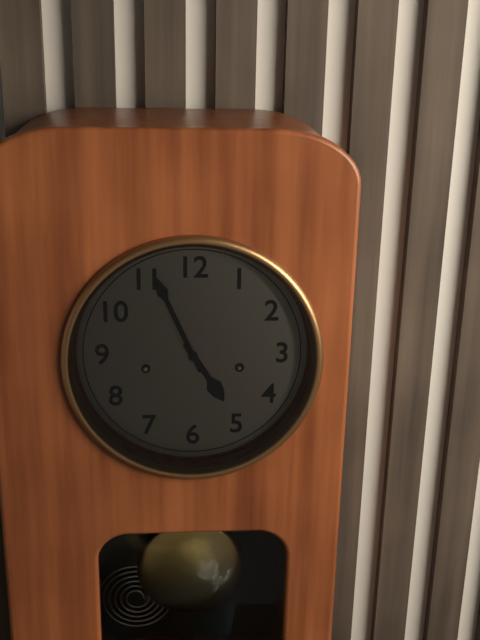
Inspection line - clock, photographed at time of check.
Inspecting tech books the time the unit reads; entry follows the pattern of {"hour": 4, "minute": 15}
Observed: {"hour": 4, "minute": 56}
